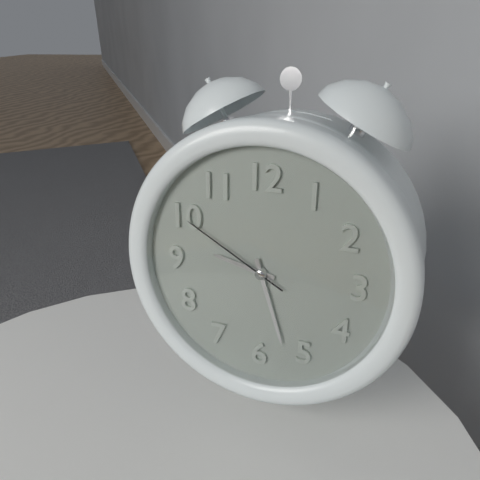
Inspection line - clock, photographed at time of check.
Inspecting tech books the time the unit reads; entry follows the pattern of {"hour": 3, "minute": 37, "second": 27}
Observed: {"hour": 9, "minute": 27, "second": 50}
